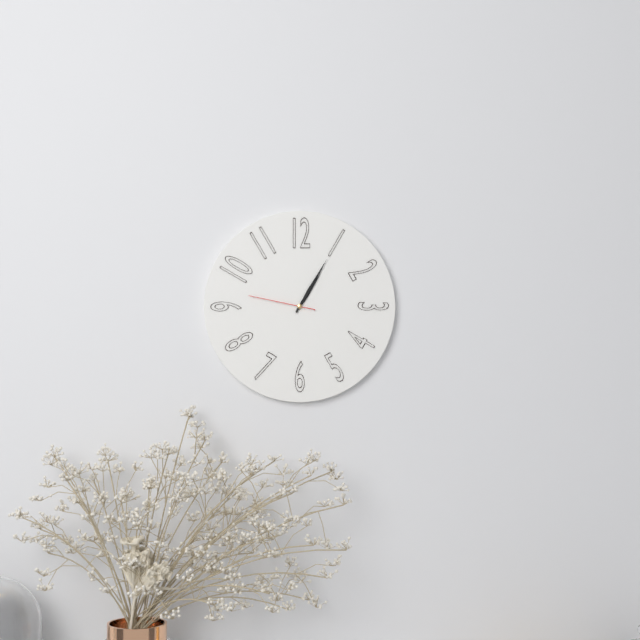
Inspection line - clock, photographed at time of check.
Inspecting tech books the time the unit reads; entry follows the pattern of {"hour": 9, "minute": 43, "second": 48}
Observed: {"hour": 1, "minute": 5, "second": 47}
